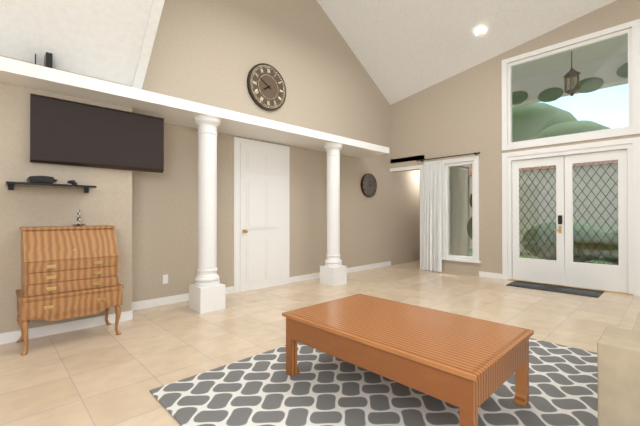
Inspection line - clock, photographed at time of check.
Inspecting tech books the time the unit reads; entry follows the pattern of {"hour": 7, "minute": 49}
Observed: {"hour": 7, "minute": 50}
